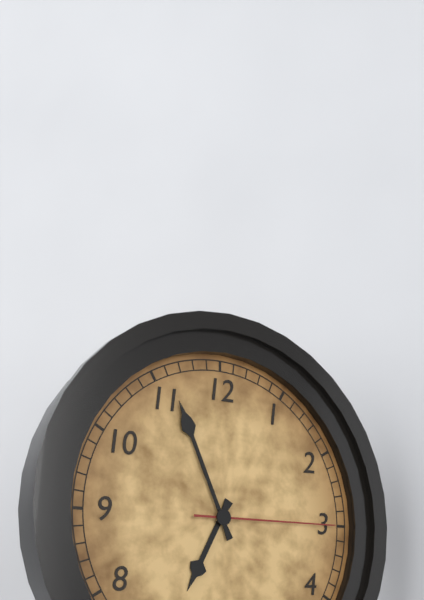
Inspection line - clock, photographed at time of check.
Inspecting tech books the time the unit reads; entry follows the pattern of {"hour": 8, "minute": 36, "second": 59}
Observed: {"hour": 6, "minute": 56, "second": 15}
